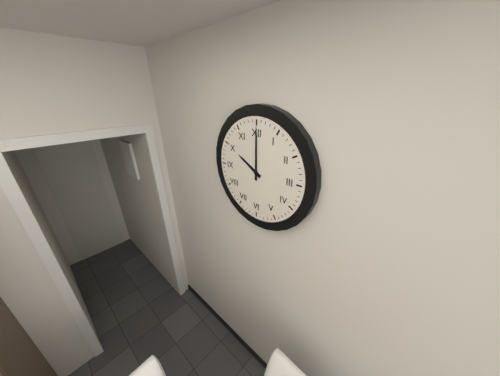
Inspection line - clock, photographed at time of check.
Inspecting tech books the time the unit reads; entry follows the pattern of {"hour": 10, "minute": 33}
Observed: {"hour": 10, "minute": 0}
